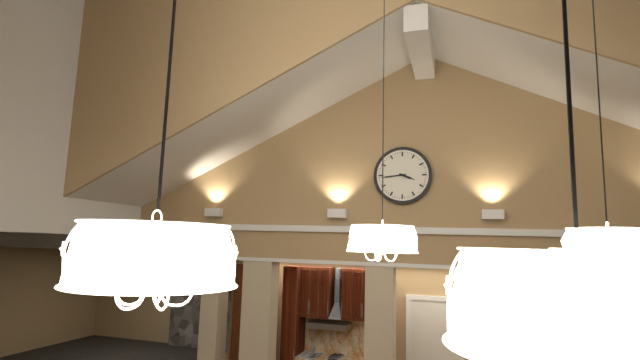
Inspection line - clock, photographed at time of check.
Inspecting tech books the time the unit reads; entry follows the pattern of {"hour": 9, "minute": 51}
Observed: {"hour": 3, "minute": 44}
